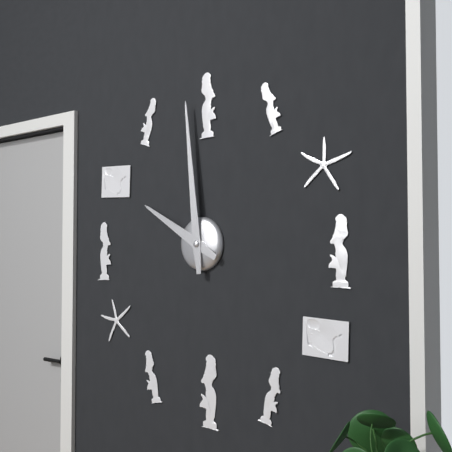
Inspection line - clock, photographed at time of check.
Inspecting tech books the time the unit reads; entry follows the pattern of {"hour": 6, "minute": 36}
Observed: {"hour": 9, "minute": 59}
